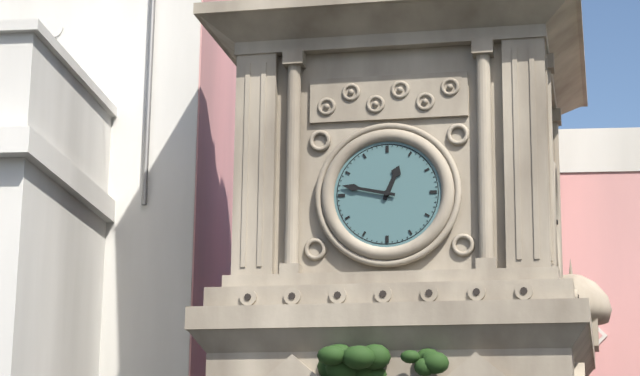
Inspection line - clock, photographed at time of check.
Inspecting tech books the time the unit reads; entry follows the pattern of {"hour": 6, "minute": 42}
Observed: {"hour": 12, "minute": 47}
